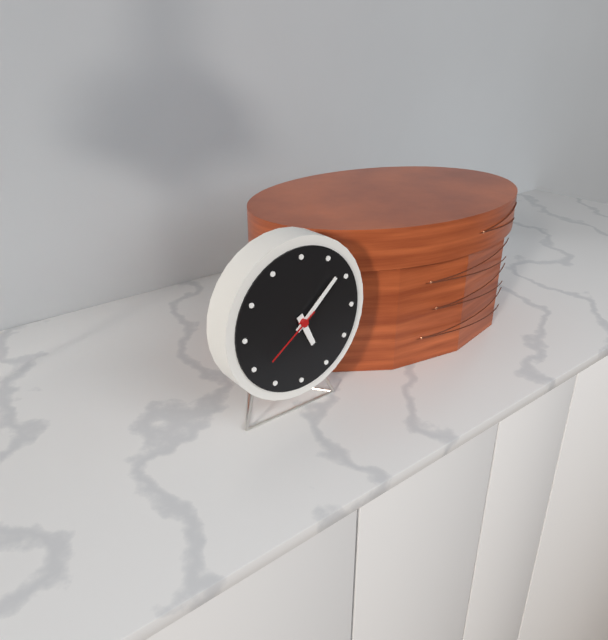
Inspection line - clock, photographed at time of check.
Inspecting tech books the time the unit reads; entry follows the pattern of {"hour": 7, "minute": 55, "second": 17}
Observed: {"hour": 5, "minute": 8, "second": 39}
